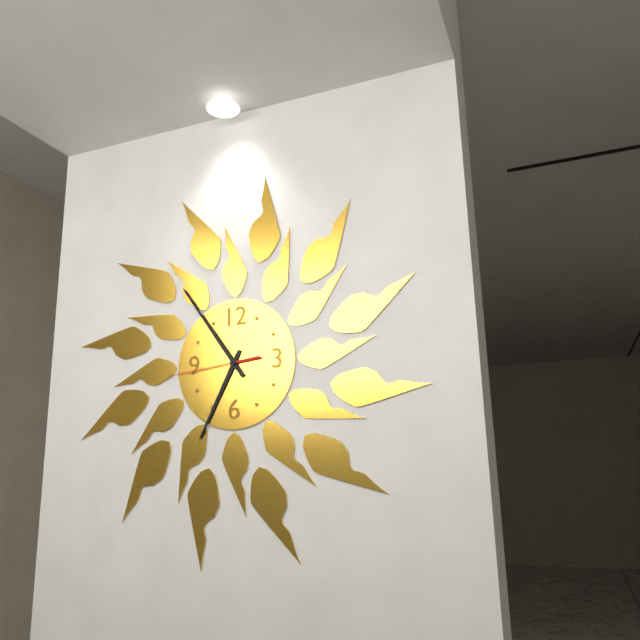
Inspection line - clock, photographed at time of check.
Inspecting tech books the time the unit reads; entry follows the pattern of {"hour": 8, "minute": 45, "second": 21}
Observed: {"hour": 6, "minute": 54, "second": 44}
